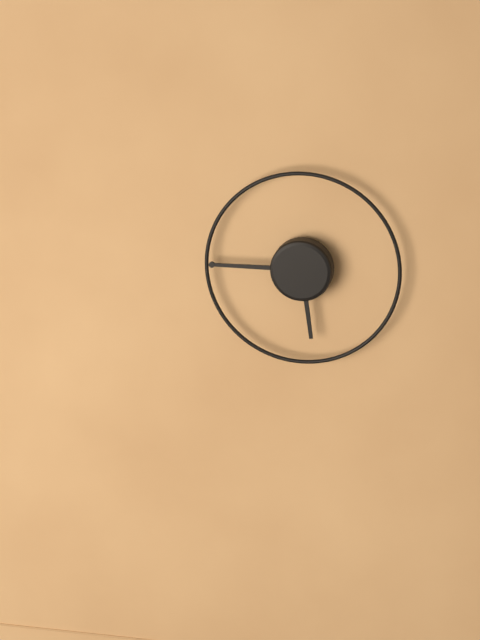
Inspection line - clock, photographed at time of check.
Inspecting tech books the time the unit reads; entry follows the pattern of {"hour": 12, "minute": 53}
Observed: {"hour": 5, "minute": 45}
